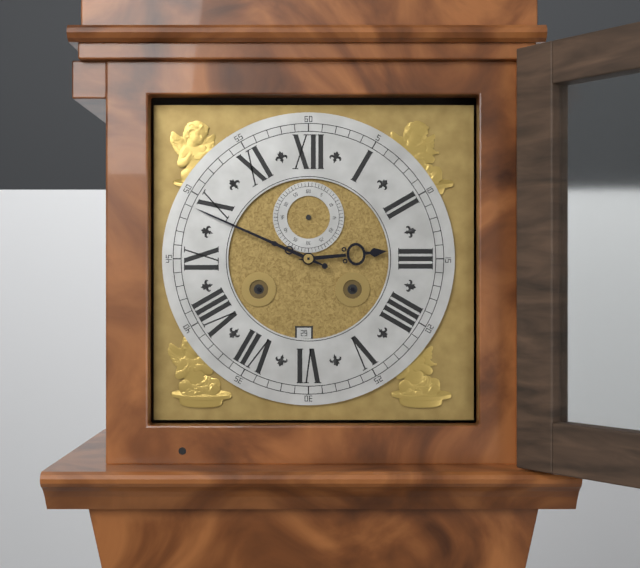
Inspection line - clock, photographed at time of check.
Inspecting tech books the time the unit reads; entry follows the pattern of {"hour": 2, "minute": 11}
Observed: {"hour": 2, "minute": 49}
